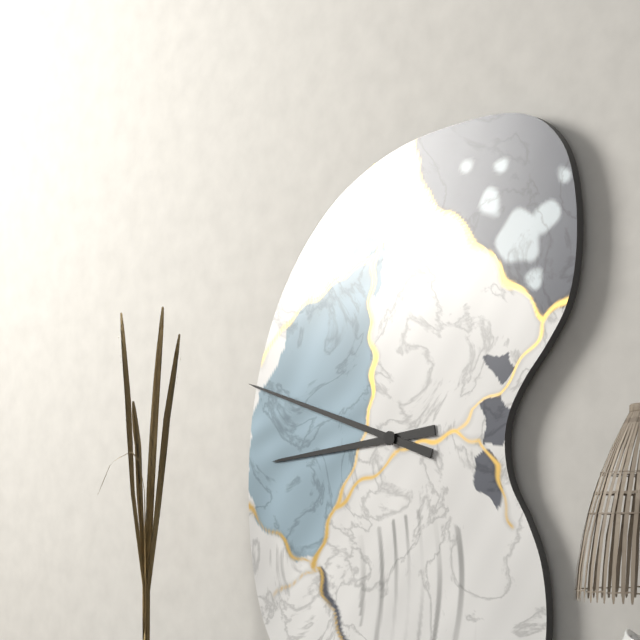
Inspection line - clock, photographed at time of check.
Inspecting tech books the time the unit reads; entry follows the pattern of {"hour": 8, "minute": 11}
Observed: {"hour": 8, "minute": 48}
